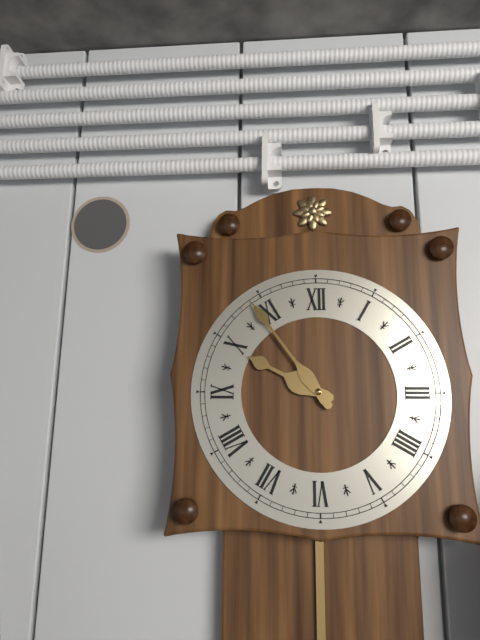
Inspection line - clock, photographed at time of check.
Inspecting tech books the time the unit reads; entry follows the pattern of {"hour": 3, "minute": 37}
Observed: {"hour": 9, "minute": 54}
